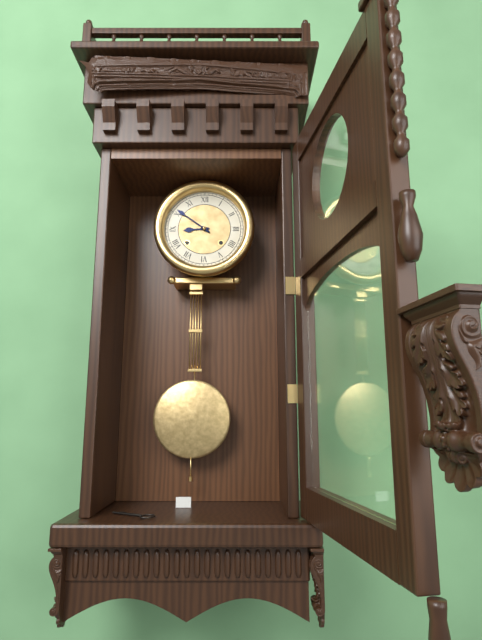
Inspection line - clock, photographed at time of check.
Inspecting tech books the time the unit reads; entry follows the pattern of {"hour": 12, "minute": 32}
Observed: {"hour": 8, "minute": 51}
